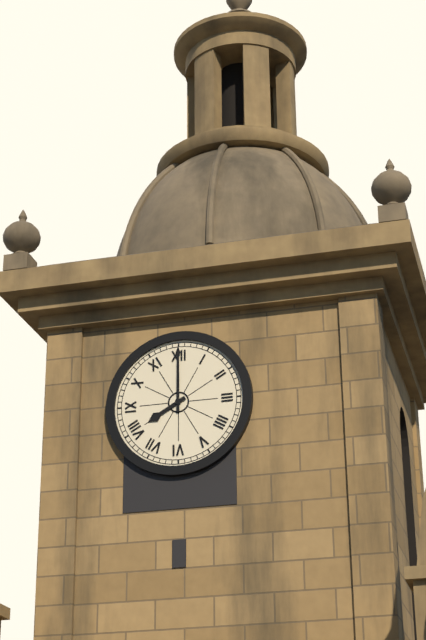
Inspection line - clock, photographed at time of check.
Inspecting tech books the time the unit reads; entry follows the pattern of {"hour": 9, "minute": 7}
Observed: {"hour": 8, "minute": 0}
